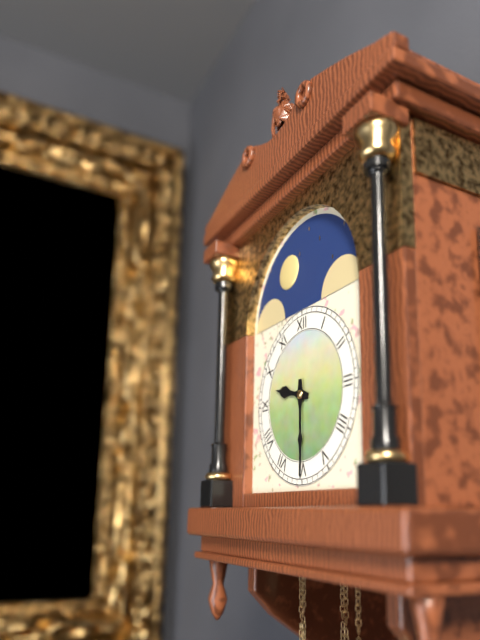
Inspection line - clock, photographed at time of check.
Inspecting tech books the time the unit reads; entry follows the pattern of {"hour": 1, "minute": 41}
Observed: {"hour": 9, "minute": 30}
